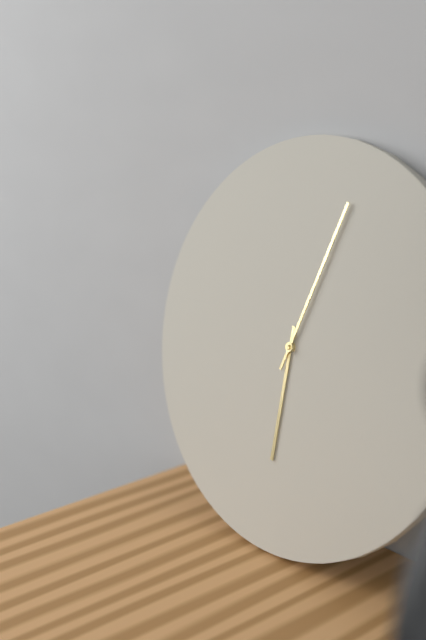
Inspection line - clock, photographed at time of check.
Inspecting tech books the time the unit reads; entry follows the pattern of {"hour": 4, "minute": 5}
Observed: {"hour": 6, "minute": 3}
